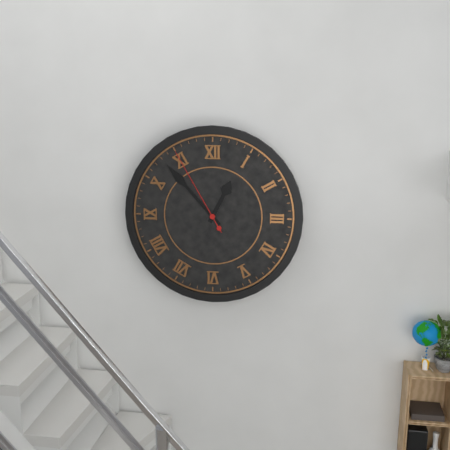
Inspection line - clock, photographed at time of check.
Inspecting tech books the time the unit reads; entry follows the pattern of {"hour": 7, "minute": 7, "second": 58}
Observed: {"hour": 12, "minute": 53, "second": 55}
